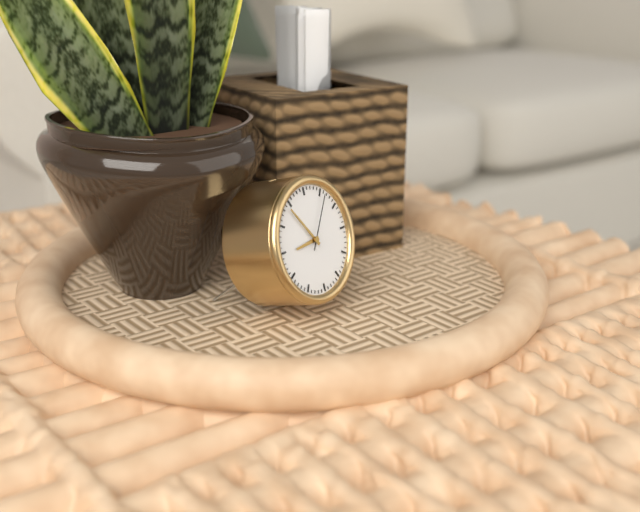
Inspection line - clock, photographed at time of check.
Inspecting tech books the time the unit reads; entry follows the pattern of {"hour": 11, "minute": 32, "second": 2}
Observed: {"hour": 8, "minute": 54, "second": 6}
